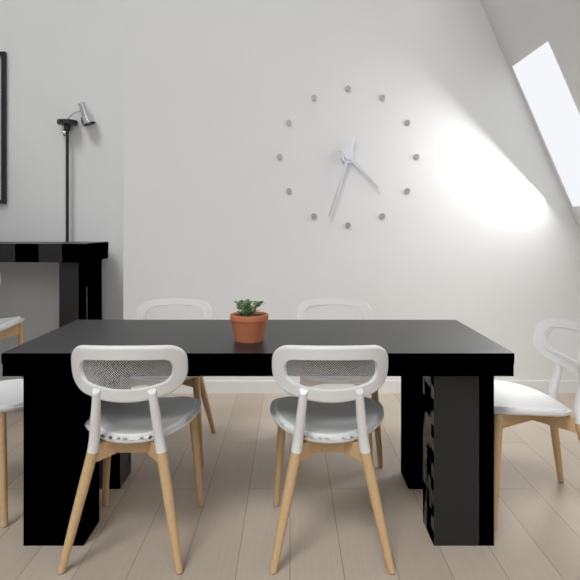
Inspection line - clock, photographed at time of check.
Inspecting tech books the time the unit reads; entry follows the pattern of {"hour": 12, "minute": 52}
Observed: {"hour": 4, "minute": 33}
